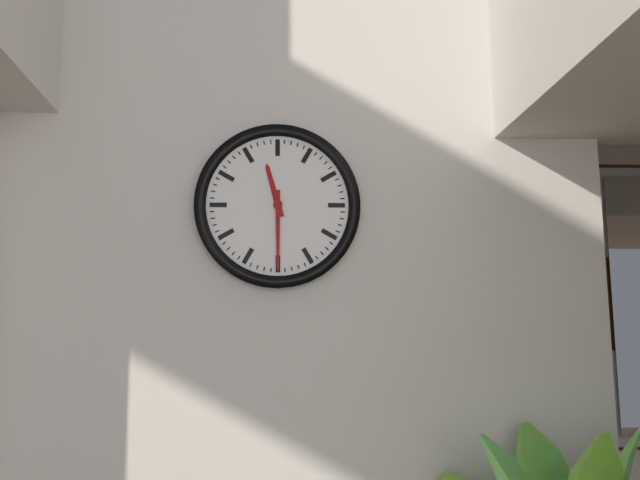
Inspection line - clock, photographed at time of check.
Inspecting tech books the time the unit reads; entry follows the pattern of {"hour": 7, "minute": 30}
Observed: {"hour": 11, "minute": 30}
